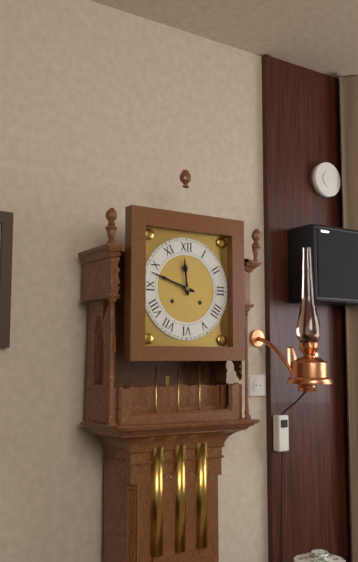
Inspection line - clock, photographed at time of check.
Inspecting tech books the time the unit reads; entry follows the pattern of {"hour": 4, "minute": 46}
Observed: {"hour": 11, "minute": 48}
